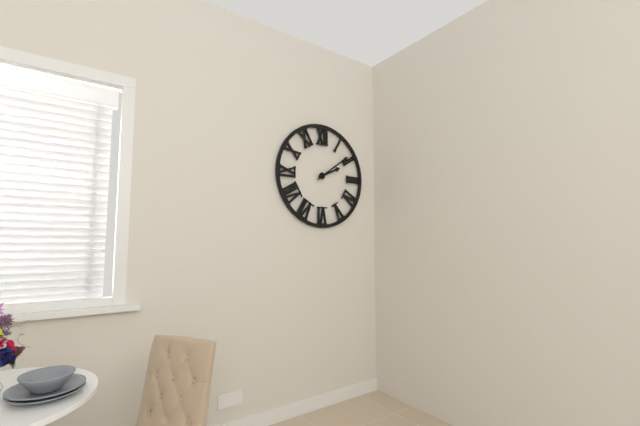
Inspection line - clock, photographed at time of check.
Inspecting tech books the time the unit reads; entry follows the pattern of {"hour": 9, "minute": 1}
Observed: {"hour": 2, "minute": 9}
